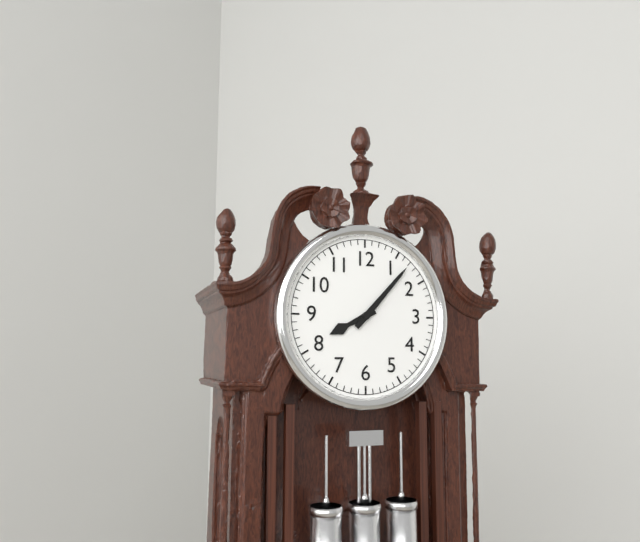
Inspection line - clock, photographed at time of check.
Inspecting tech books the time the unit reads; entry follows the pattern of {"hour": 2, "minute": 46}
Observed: {"hour": 8, "minute": 7}
